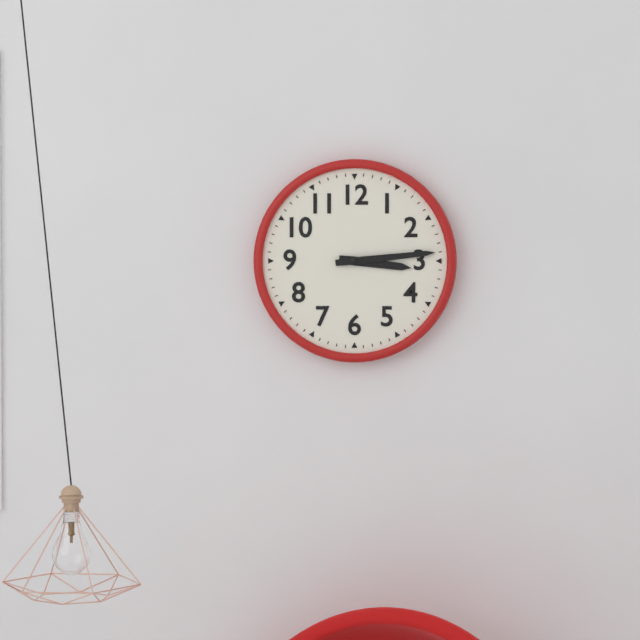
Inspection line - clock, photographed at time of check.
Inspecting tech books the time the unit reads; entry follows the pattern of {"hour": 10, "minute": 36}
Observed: {"hour": 3, "minute": 14}
